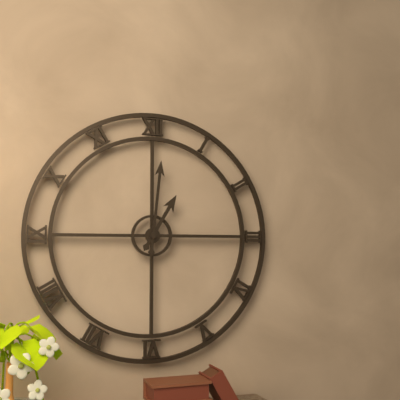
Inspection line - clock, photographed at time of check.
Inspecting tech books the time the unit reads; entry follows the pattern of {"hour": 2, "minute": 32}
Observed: {"hour": 1, "minute": 1}
